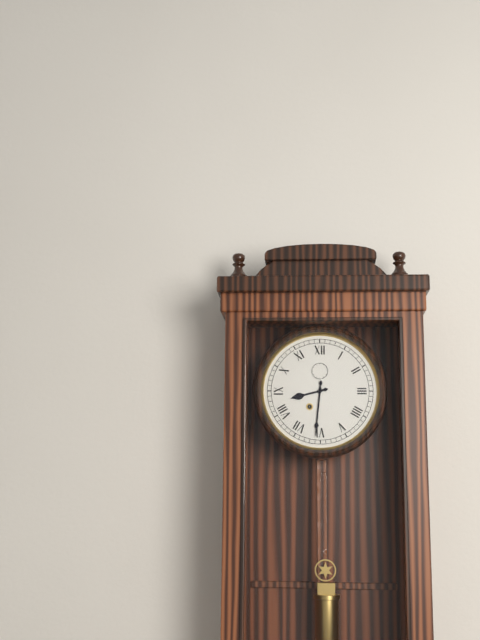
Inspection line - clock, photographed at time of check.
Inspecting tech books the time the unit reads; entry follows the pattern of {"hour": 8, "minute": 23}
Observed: {"hour": 8, "minute": 31}
